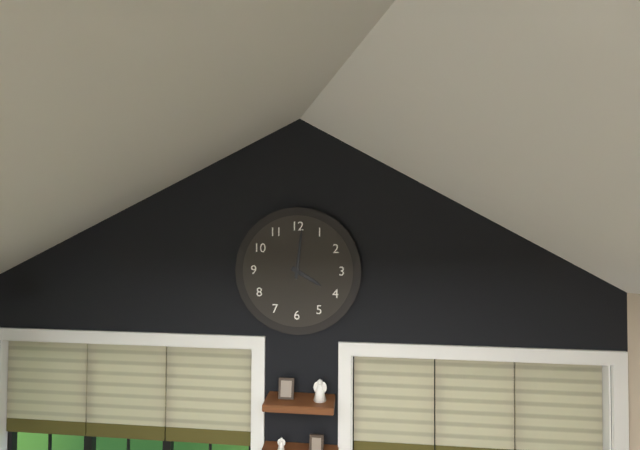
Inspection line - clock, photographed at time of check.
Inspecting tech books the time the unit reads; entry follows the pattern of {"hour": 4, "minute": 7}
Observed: {"hour": 4, "minute": 1}
